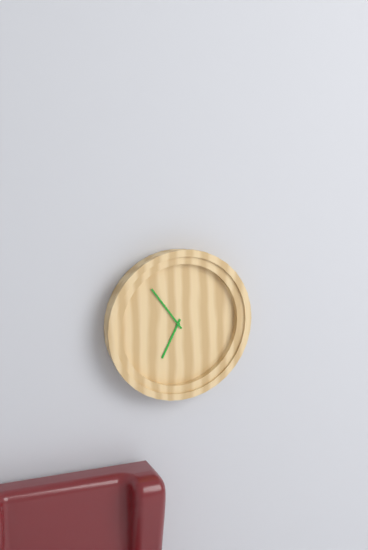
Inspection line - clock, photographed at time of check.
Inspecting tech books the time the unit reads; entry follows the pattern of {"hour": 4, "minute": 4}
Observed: {"hour": 6, "minute": 54}
